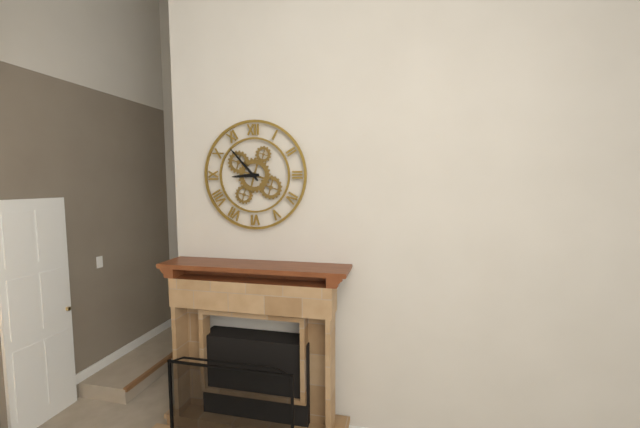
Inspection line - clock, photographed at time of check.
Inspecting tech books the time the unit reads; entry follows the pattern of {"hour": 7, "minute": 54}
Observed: {"hour": 8, "minute": 53}
